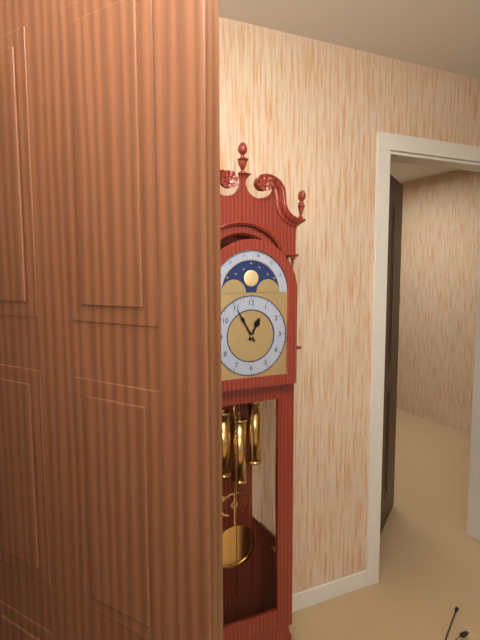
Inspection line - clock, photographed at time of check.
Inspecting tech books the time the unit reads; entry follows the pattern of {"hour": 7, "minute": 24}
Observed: {"hour": 12, "minute": 55}
